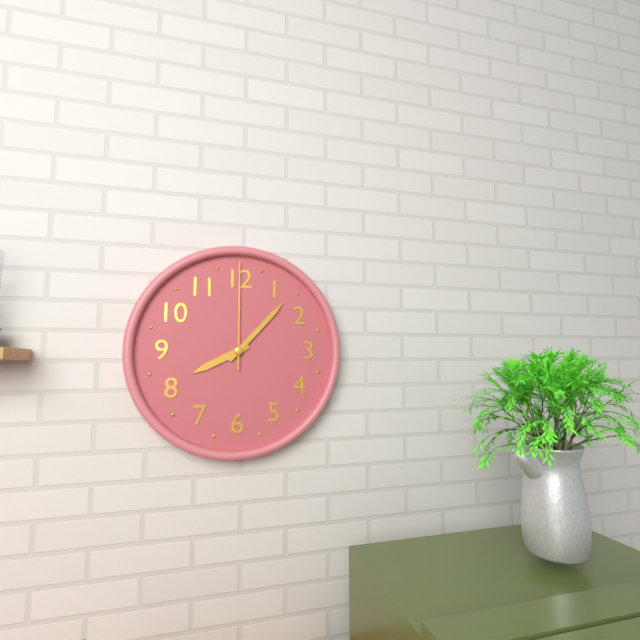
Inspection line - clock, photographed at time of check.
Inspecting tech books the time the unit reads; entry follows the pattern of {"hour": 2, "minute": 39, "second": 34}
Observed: {"hour": 8, "minute": 7, "second": 0}
